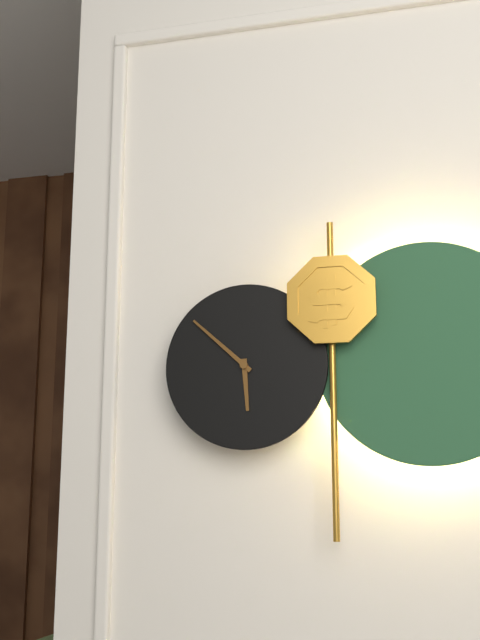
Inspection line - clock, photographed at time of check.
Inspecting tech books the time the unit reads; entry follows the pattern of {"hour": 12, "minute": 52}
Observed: {"hour": 5, "minute": 52}
